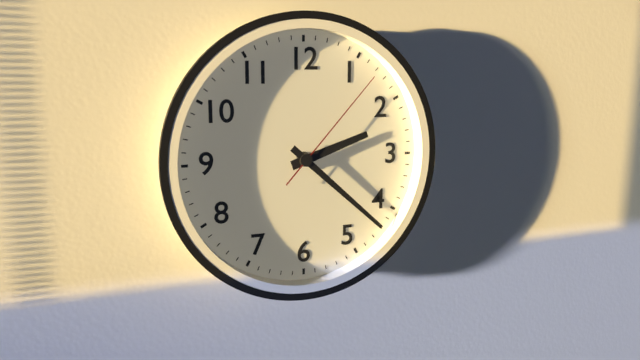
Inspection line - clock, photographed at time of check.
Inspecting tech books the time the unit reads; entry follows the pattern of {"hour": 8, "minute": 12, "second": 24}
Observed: {"hour": 2, "minute": 22, "second": 7}
